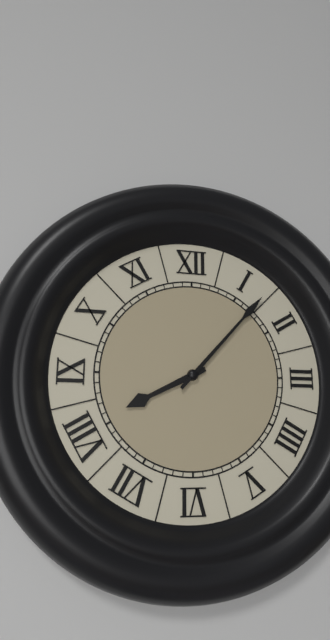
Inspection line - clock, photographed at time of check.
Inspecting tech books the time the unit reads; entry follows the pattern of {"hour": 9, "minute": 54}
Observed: {"hour": 8, "minute": 7}
